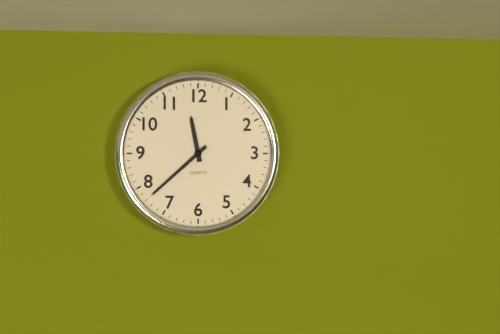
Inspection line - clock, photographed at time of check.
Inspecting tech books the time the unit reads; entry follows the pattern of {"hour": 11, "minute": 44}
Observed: {"hour": 11, "minute": 38}
